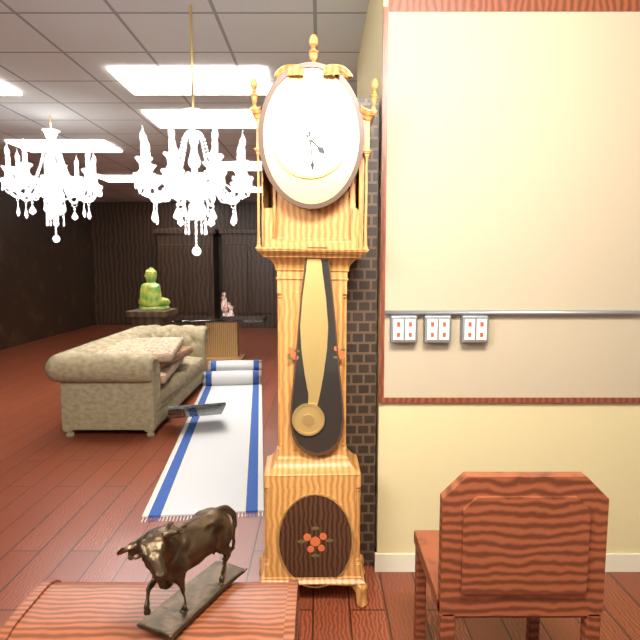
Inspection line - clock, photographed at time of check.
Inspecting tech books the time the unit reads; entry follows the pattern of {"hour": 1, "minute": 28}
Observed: {"hour": 4, "minute": 29}
